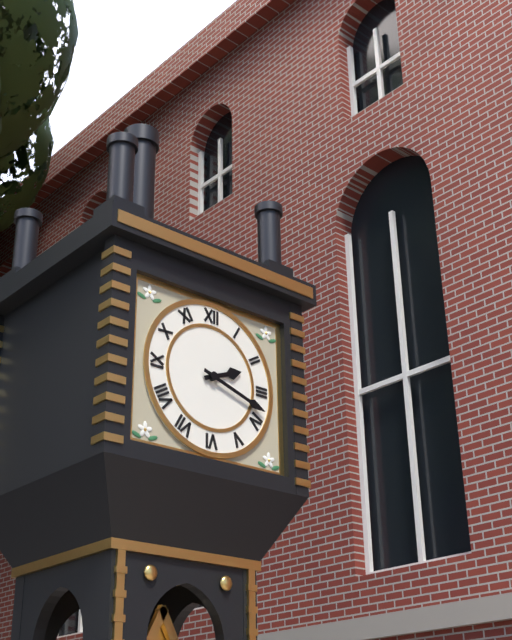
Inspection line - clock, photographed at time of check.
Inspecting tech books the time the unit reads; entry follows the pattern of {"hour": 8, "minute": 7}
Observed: {"hour": 2, "minute": 18}
